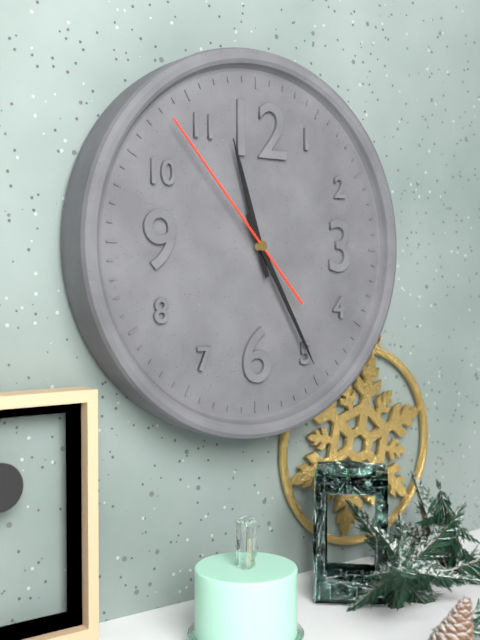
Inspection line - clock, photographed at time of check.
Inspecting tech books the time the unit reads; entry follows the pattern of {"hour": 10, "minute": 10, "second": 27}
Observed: {"hour": 11, "minute": 25, "second": 53}
